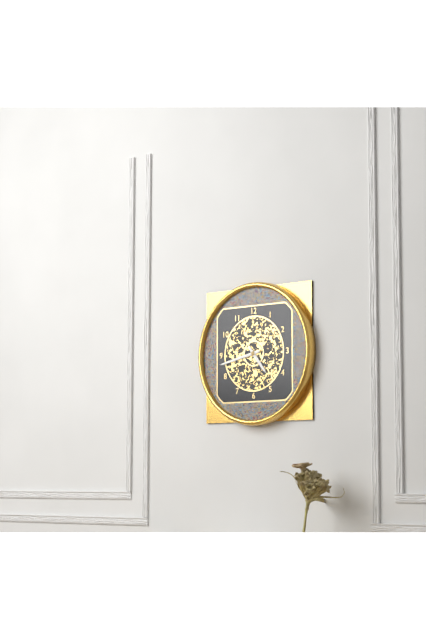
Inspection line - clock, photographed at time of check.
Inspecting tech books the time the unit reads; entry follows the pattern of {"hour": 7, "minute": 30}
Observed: {"hour": 4, "minute": 43}
